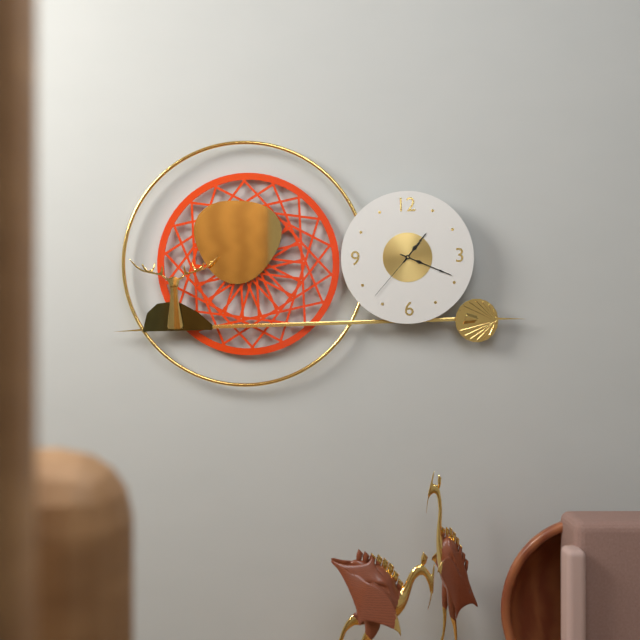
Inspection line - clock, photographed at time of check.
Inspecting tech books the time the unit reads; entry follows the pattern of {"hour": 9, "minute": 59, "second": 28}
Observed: {"hour": 1, "minute": 19, "second": 37}
